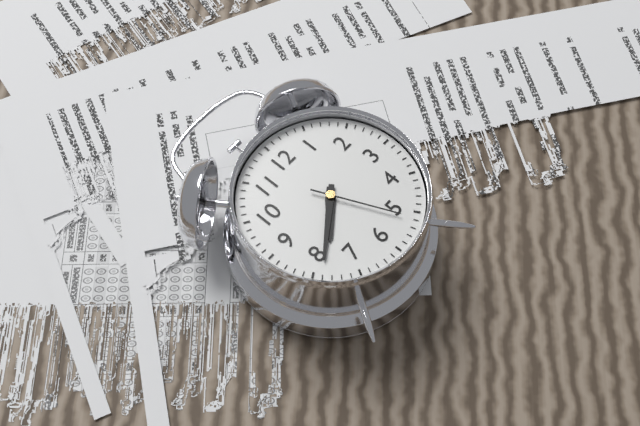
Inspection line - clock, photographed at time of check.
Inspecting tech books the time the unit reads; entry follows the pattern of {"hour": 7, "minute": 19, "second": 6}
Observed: {"hour": 7, "minute": 39, "second": 26}
